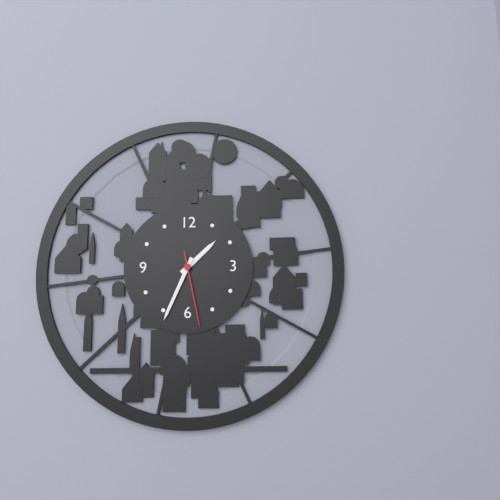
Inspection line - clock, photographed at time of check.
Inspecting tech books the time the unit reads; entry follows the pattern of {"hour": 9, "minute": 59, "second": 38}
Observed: {"hour": 1, "minute": 34, "second": 28}
